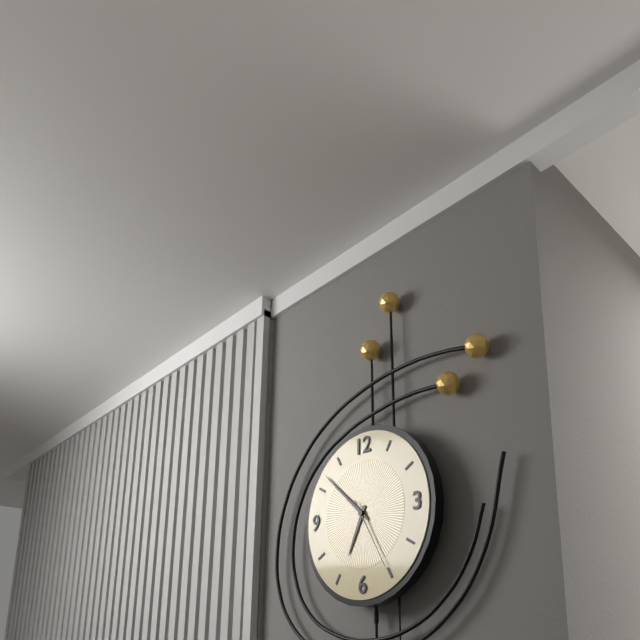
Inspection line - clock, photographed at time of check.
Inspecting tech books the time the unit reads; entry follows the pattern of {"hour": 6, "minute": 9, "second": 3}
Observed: {"hour": 6, "minute": 52, "second": 25}
